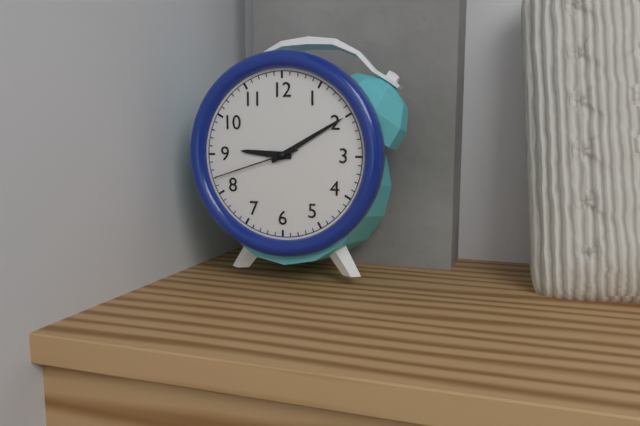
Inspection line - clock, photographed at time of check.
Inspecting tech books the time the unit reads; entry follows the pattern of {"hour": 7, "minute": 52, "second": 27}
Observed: {"hour": 9, "minute": 10, "second": 42}
